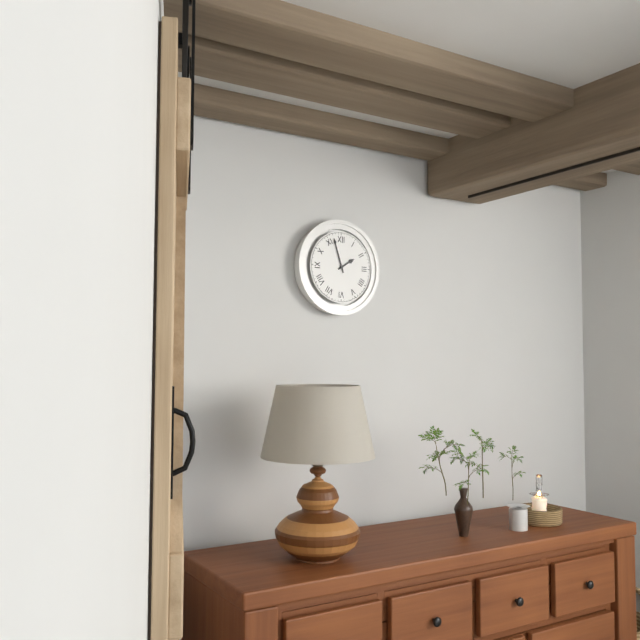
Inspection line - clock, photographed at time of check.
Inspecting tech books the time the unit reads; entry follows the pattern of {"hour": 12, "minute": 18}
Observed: {"hour": 1, "minute": 57}
